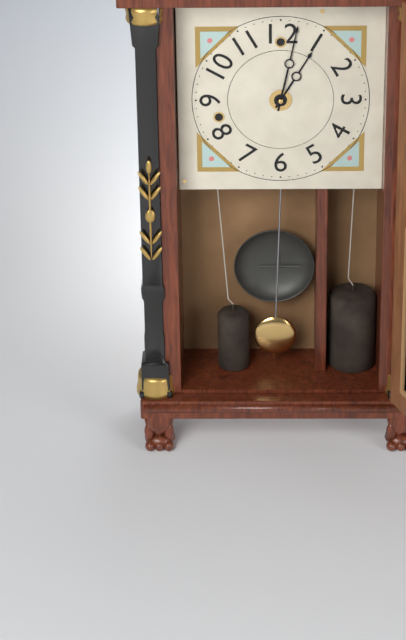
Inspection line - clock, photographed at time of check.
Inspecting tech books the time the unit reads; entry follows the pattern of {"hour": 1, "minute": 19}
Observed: {"hour": 1, "minute": 2}
